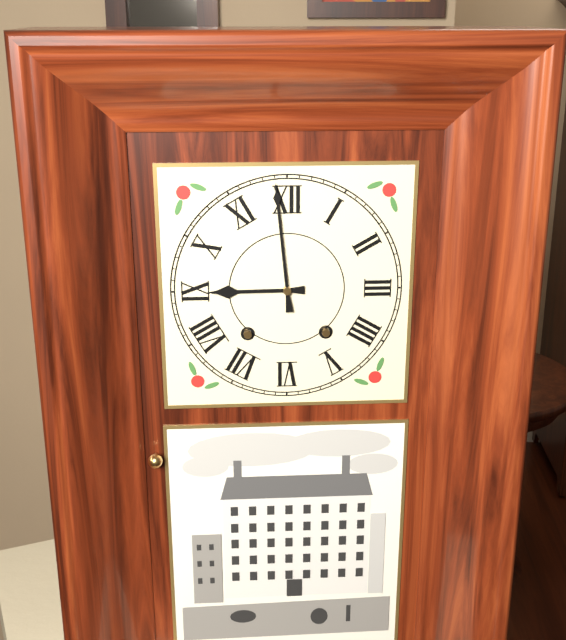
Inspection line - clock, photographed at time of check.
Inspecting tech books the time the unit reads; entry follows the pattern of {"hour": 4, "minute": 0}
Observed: {"hour": 8, "minute": 59}
